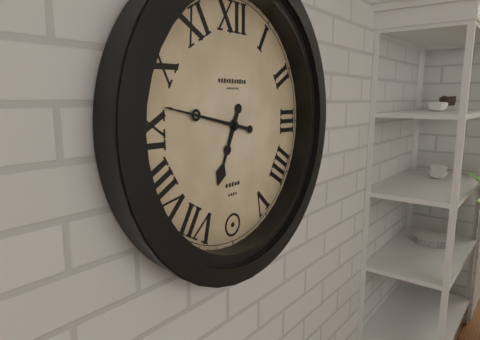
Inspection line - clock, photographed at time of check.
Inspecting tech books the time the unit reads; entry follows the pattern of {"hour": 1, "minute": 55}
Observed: {"hour": 6, "minute": 47}
